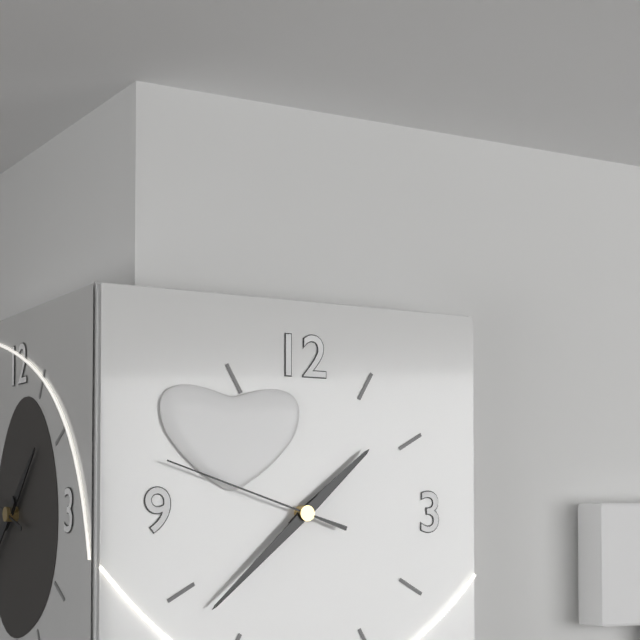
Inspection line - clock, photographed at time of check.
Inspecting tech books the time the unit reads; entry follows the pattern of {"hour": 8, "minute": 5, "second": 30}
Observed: {"hour": 1, "minute": 38, "second": 48}
